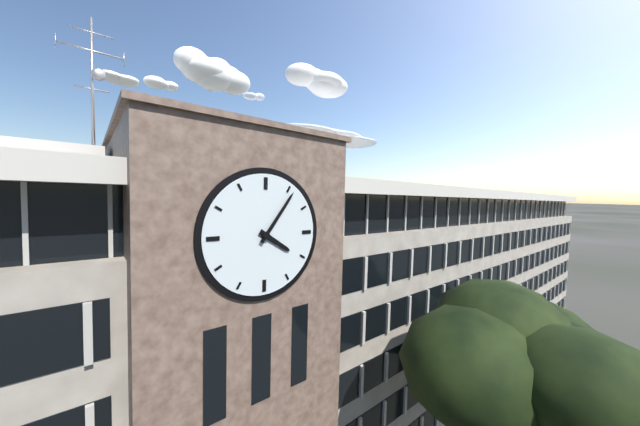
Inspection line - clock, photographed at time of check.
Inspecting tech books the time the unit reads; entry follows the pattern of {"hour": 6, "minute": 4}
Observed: {"hour": 4, "minute": 6}
